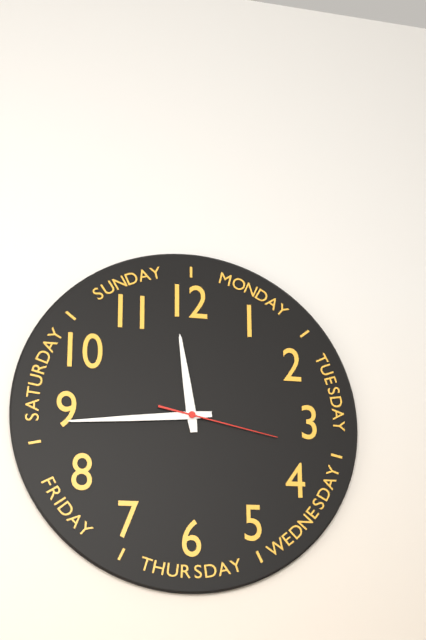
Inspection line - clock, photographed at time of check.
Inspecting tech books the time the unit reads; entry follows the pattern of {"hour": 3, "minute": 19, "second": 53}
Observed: {"hour": 11, "minute": 44, "second": 17}
